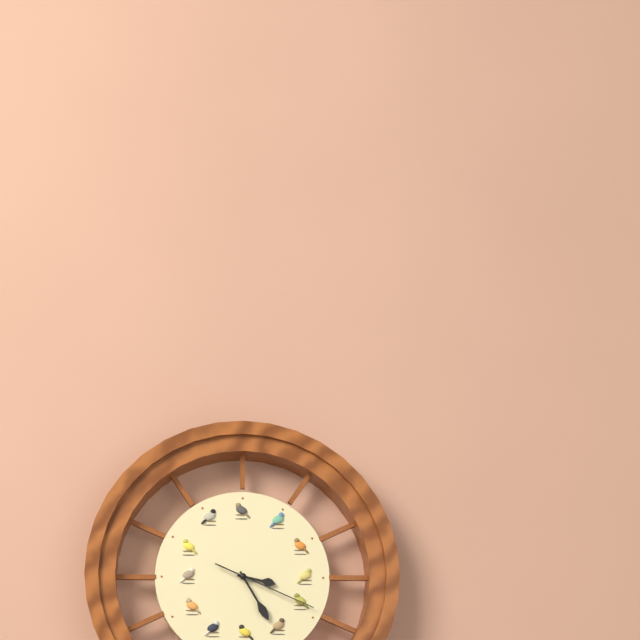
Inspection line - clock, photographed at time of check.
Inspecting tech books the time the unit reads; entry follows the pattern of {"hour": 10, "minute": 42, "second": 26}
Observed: {"hour": 3, "minute": 25, "second": 19}
